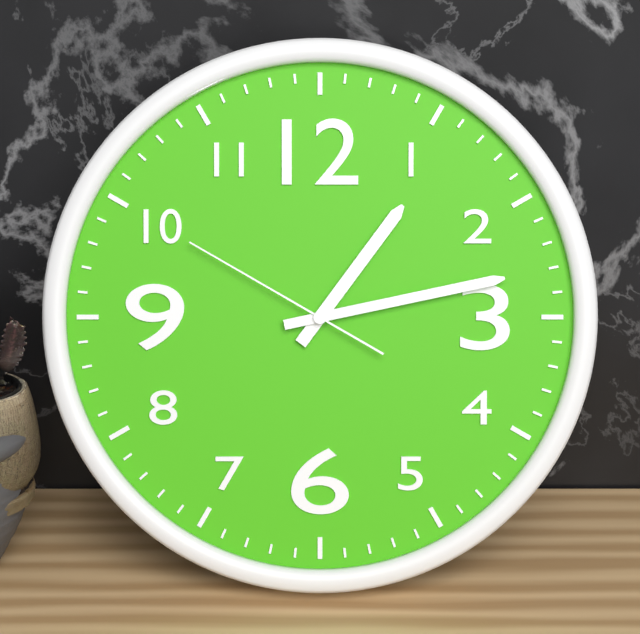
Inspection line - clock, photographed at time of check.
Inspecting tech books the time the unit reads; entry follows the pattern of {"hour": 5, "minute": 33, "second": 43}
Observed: {"hour": 1, "minute": 13, "second": 50}
